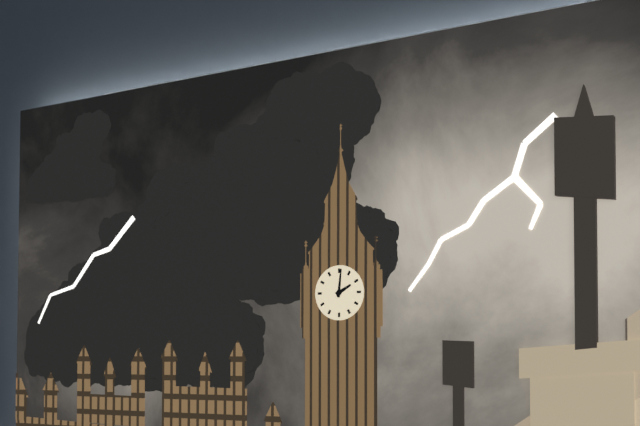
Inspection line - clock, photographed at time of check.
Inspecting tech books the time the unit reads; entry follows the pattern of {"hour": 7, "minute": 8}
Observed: {"hour": 2, "minute": 1}
